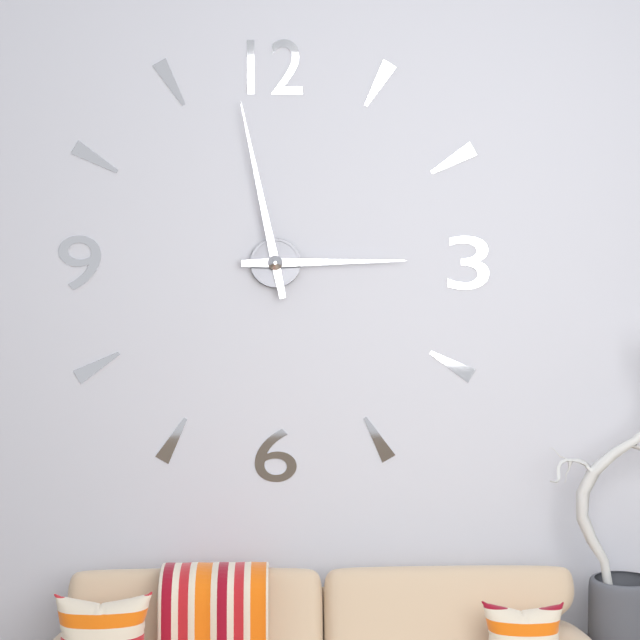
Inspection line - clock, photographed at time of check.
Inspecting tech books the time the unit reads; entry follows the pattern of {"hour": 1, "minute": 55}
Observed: {"hour": 2, "minute": 58}
